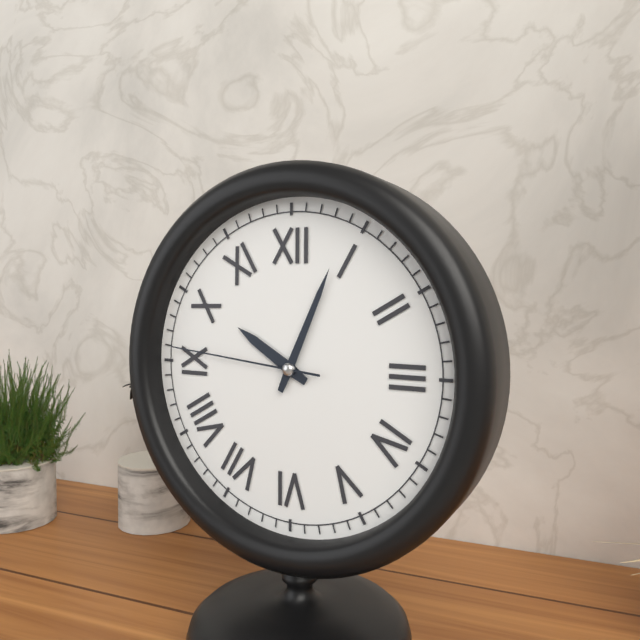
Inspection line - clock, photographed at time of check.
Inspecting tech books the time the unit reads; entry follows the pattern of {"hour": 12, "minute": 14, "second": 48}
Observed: {"hour": 10, "minute": 4, "second": 46}
